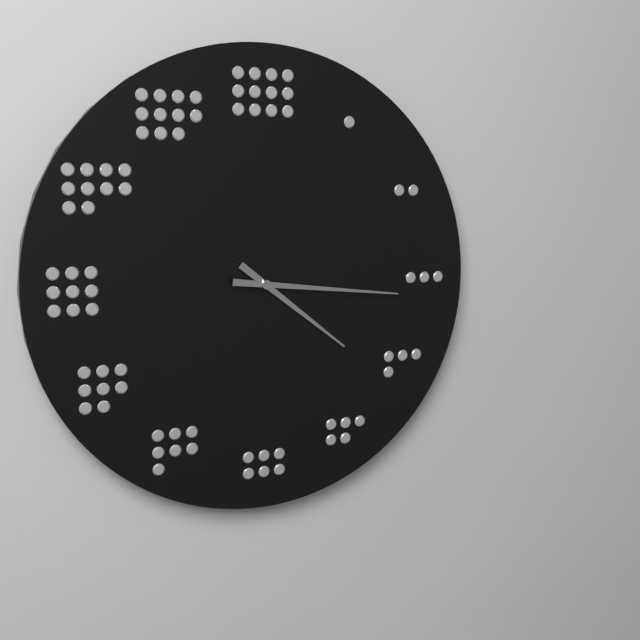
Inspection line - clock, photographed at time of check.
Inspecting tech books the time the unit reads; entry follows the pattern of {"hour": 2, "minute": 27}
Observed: {"hour": 4, "minute": 16}
